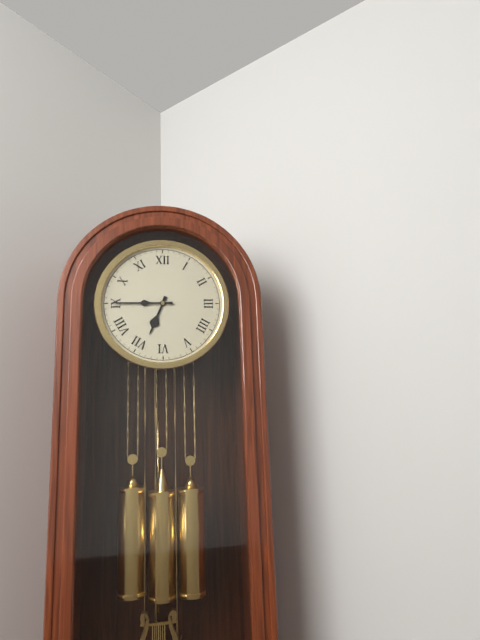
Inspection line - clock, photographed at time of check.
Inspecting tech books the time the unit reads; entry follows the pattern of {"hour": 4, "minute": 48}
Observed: {"hour": 6, "minute": 45}
